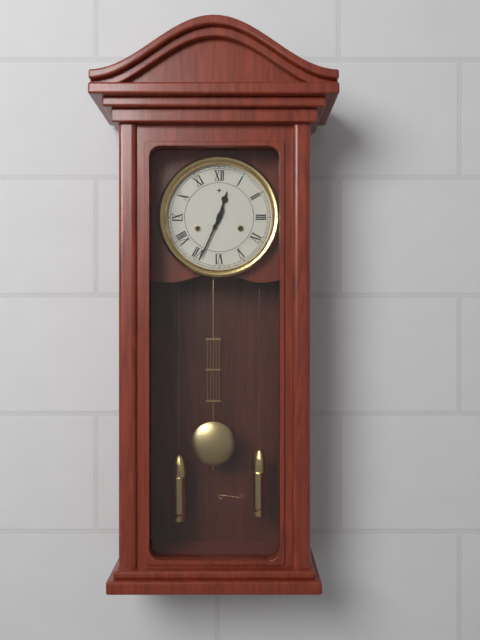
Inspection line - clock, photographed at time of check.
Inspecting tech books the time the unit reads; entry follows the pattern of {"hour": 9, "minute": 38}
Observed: {"hour": 12, "minute": 34}
